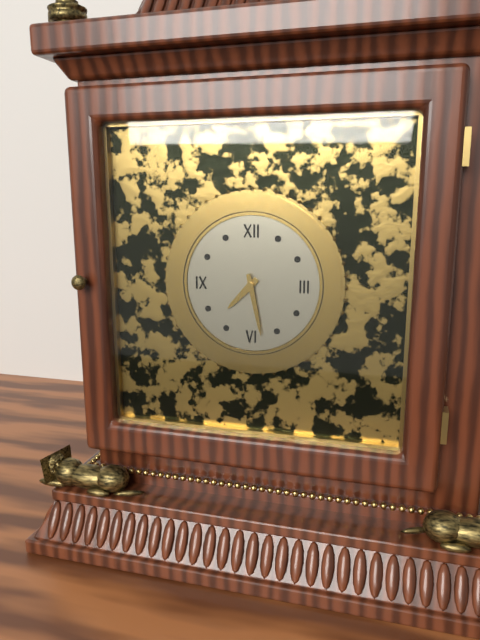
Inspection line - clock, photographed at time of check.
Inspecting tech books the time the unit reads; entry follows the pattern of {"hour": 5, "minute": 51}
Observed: {"hour": 7, "minute": 28}
